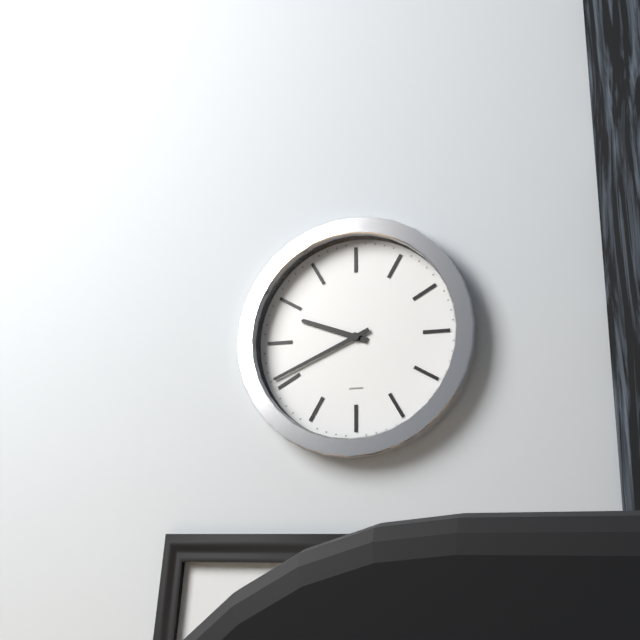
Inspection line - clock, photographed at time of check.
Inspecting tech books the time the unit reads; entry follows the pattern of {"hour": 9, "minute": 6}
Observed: {"hour": 9, "minute": 41}
